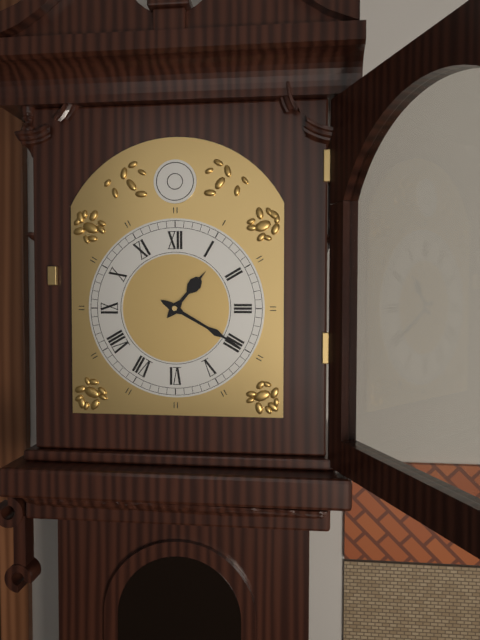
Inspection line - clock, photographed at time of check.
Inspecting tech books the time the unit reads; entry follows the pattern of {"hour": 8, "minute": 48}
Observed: {"hour": 1, "minute": 20}
